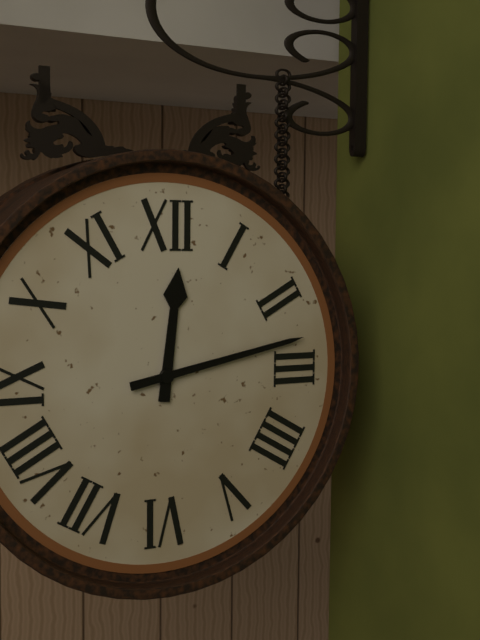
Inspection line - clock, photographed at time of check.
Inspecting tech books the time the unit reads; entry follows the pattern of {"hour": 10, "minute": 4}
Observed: {"hour": 12, "minute": 13}
